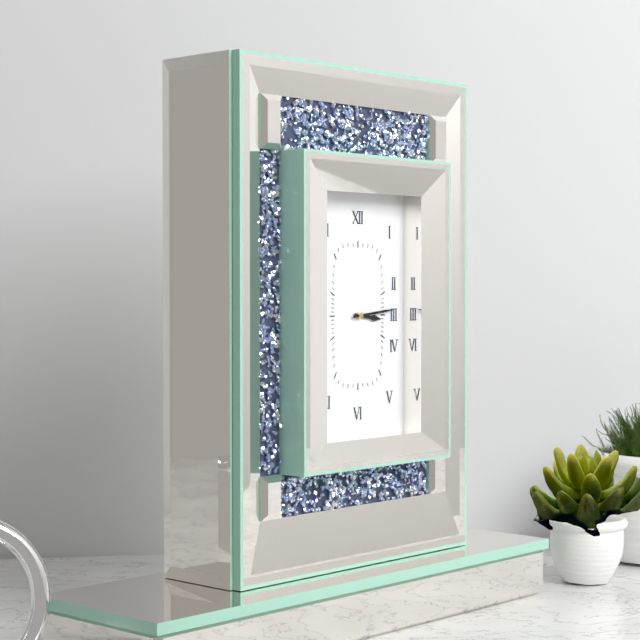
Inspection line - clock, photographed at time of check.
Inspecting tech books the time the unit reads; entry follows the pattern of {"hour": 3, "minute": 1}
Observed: {"hour": 3, "minute": 14}
